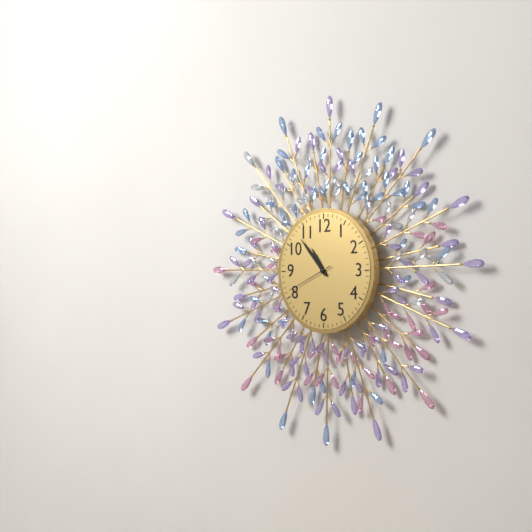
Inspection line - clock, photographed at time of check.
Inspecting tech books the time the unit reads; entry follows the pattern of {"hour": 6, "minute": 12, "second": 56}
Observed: {"hour": 10, "minute": 53, "second": 41}
